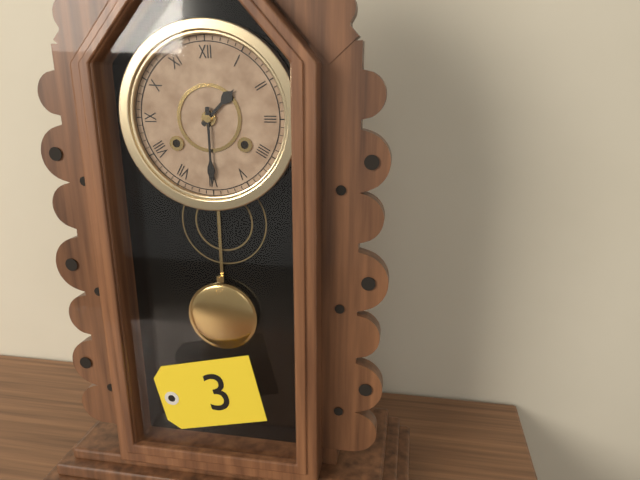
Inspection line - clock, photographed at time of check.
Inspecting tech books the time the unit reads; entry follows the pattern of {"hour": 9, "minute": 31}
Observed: {"hour": 1, "minute": 30}
